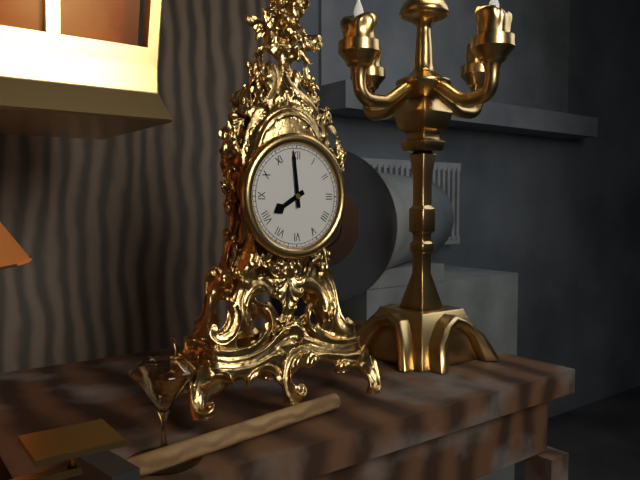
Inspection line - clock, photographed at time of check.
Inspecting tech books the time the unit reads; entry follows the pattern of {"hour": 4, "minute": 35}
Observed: {"hour": 7, "minute": 59}
